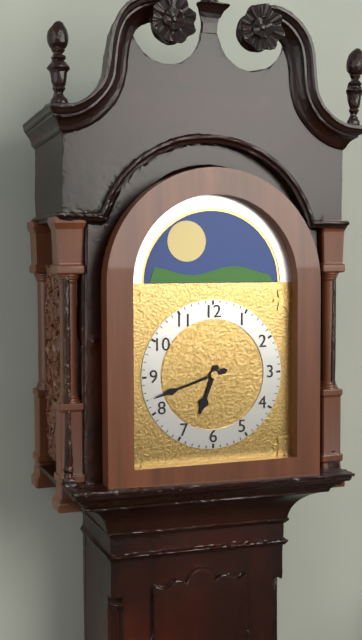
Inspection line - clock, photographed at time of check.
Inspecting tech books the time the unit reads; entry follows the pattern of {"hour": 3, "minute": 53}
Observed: {"hour": 6, "minute": 42}
